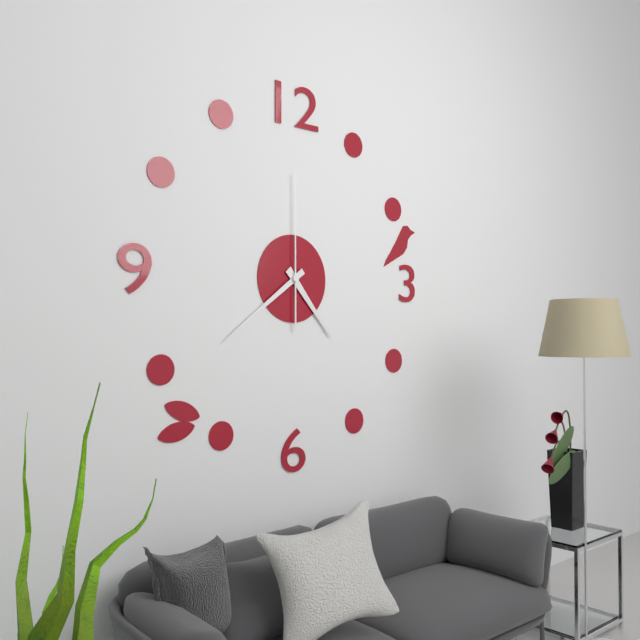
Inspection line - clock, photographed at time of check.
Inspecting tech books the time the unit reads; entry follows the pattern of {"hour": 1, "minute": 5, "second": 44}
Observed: {"hour": 4, "minute": 39, "second": 0}
